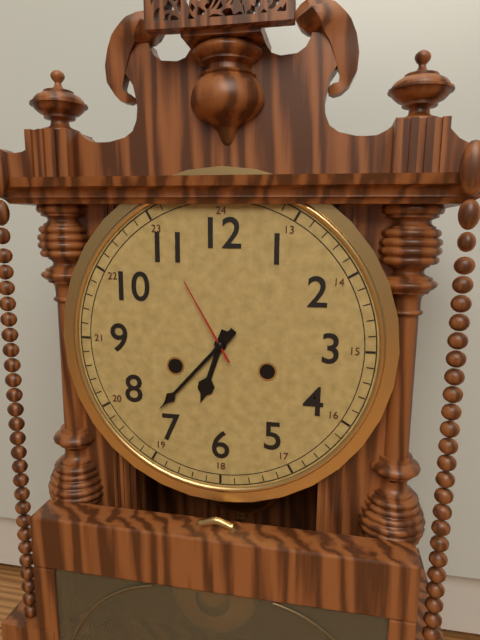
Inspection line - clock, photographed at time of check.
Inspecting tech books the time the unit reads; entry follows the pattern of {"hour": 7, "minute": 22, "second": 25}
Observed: {"hour": 6, "minute": 37, "second": 55}
